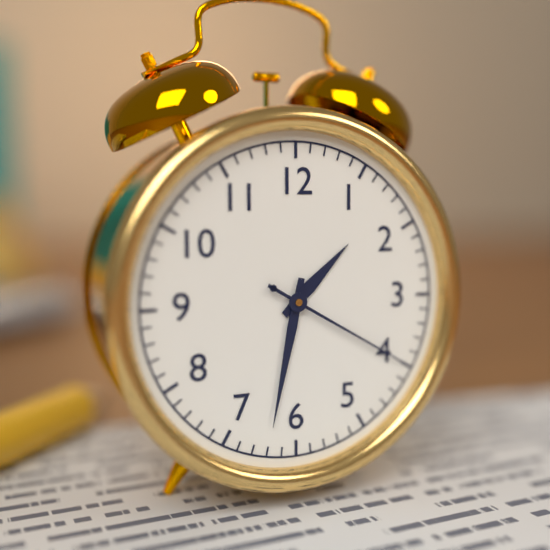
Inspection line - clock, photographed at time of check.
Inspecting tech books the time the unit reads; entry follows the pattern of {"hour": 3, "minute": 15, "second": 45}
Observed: {"hour": 1, "minute": 32, "second": 20}
